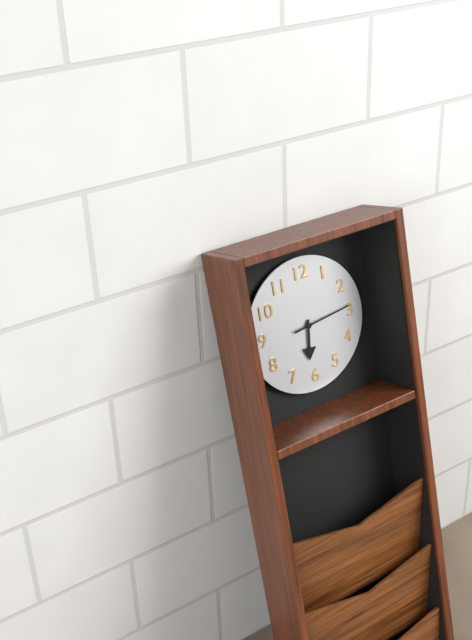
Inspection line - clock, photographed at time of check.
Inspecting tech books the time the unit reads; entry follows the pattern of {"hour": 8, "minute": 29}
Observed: {"hour": 6, "minute": 14}
